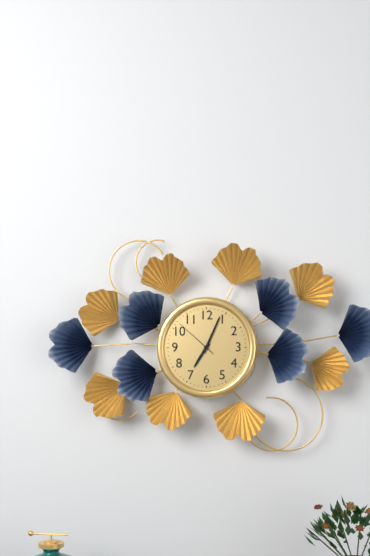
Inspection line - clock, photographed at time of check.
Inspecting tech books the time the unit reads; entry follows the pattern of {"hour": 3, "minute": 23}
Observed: {"hour": 7, "minute": 4}
